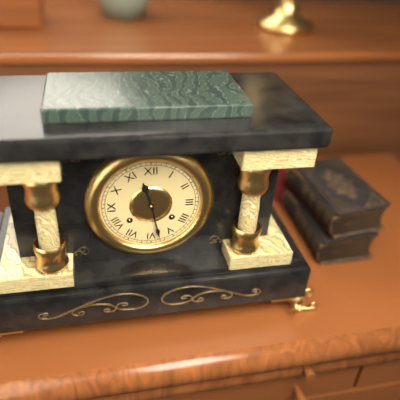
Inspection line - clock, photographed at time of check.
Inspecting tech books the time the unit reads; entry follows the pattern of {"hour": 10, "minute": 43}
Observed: {"hour": 11, "minute": 28}
